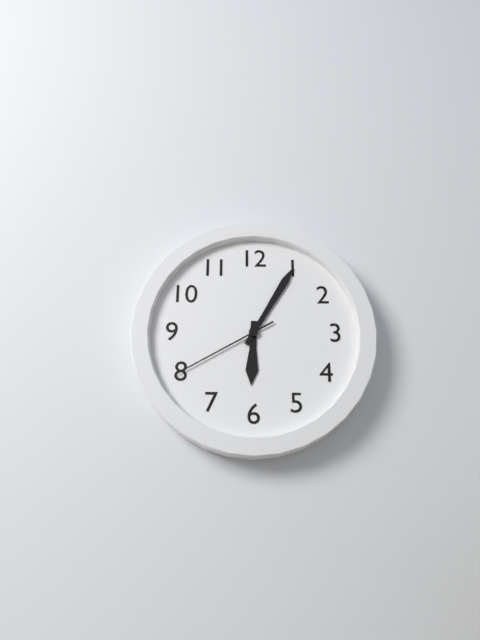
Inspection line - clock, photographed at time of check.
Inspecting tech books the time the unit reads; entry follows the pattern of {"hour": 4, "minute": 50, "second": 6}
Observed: {"hour": 6, "minute": 5, "second": 40}
